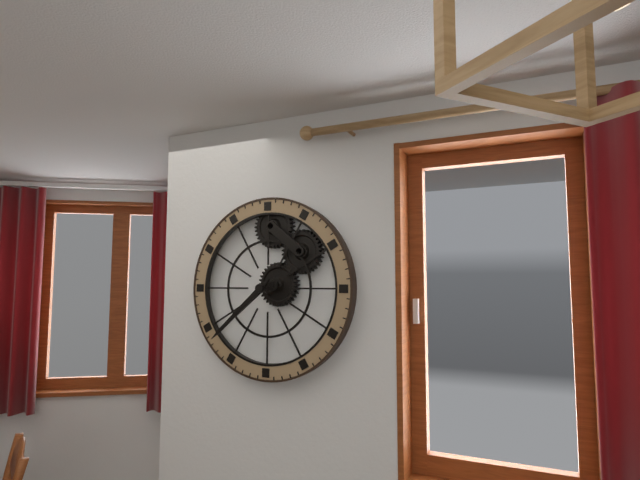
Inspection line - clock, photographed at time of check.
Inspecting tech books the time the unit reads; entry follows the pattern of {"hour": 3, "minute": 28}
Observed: {"hour": 7, "minute": 38}
